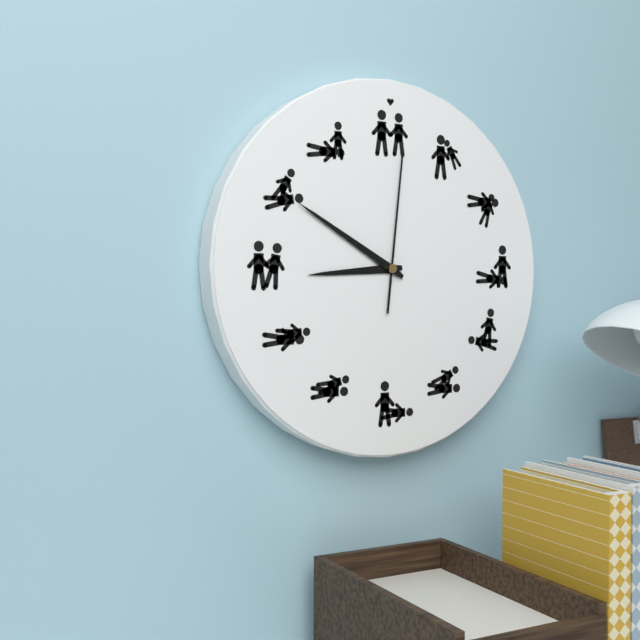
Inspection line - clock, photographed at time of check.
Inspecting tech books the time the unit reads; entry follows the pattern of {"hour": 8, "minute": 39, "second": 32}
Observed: {"hour": 8, "minute": 50, "second": 1}
